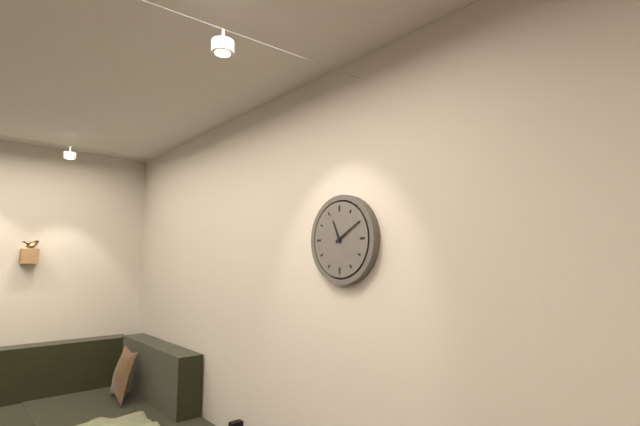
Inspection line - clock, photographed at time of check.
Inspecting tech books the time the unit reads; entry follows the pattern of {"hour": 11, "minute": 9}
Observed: {"hour": 11, "minute": 10}
